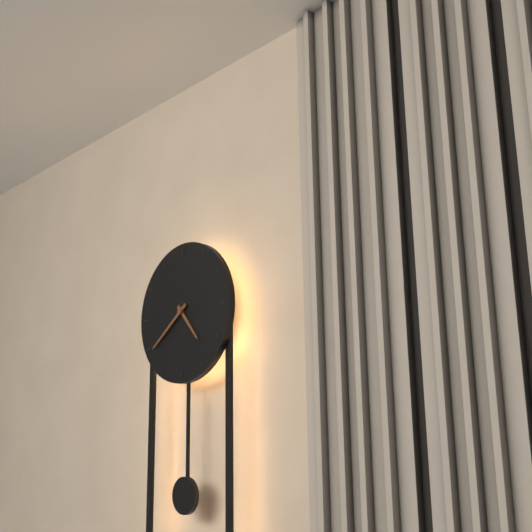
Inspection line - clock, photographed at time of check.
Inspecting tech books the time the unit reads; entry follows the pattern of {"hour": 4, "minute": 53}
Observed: {"hour": 4, "minute": 39}
